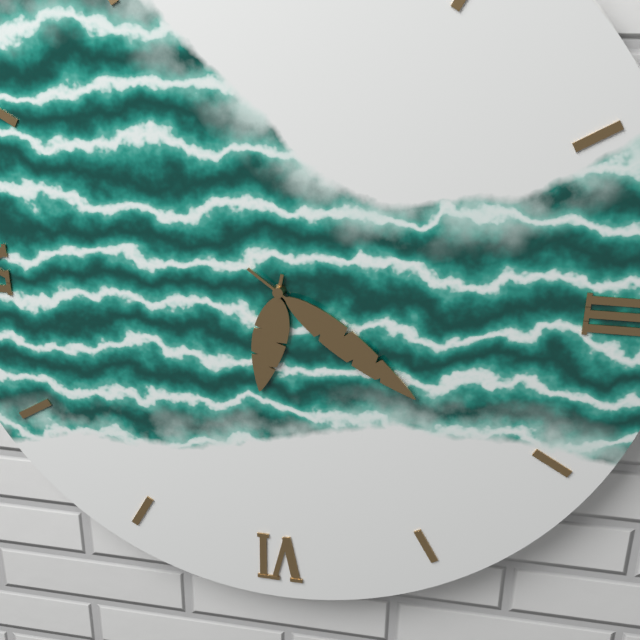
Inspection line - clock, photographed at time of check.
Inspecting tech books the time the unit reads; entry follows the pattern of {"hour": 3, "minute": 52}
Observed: {"hour": 6, "minute": 21}
